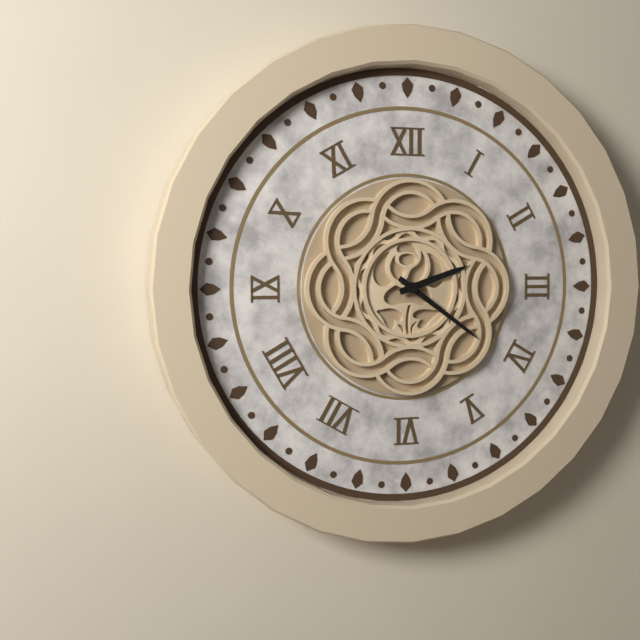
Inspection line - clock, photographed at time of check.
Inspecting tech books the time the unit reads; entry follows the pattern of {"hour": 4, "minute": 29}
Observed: {"hour": 2, "minute": 21}
